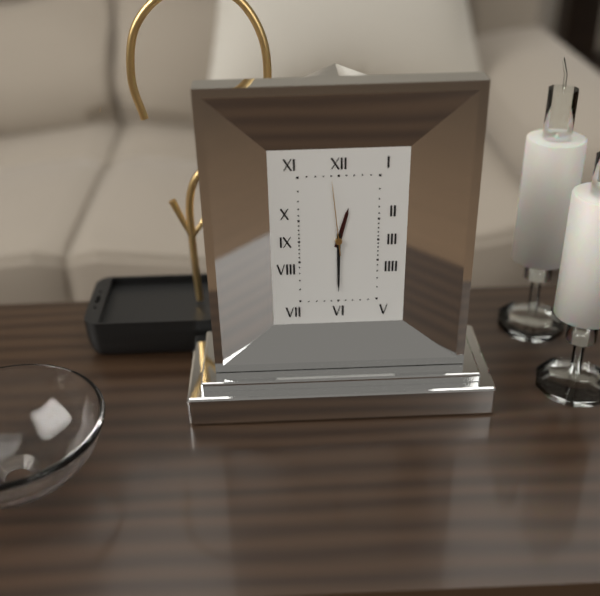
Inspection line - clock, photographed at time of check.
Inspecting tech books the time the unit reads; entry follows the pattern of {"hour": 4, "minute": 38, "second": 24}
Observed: {"hour": 12, "minute": 30, "second": 59}
